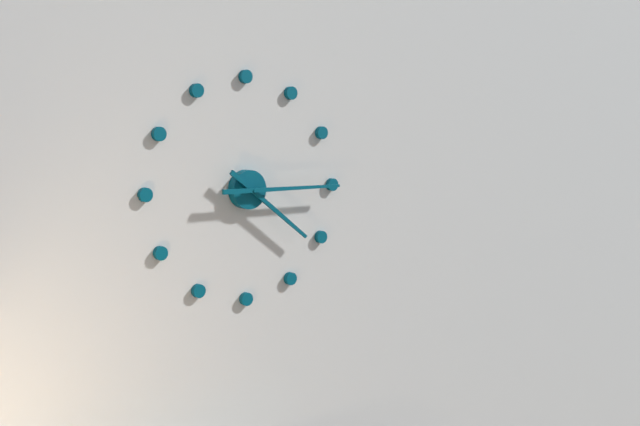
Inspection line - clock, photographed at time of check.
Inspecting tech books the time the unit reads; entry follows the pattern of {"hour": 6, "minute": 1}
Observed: {"hour": 4, "minute": 15}
